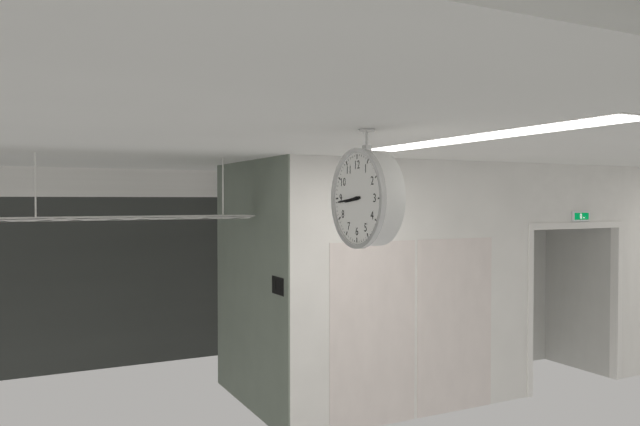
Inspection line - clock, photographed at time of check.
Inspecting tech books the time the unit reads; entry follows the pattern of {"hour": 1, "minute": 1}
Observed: {"hour": 8, "minute": 44}
